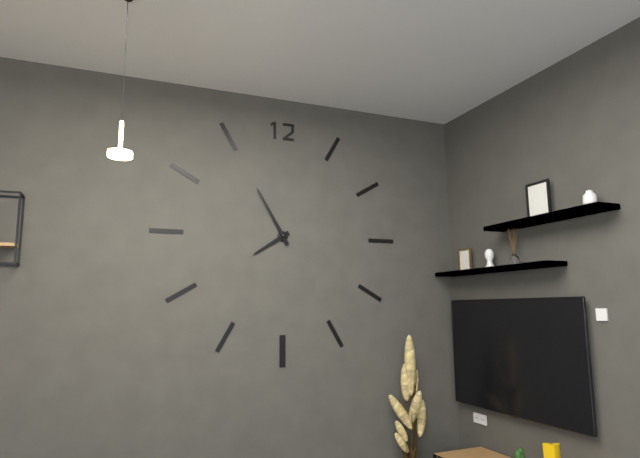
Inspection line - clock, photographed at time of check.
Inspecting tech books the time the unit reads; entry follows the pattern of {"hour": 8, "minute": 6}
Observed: {"hour": 7, "minute": 55}
